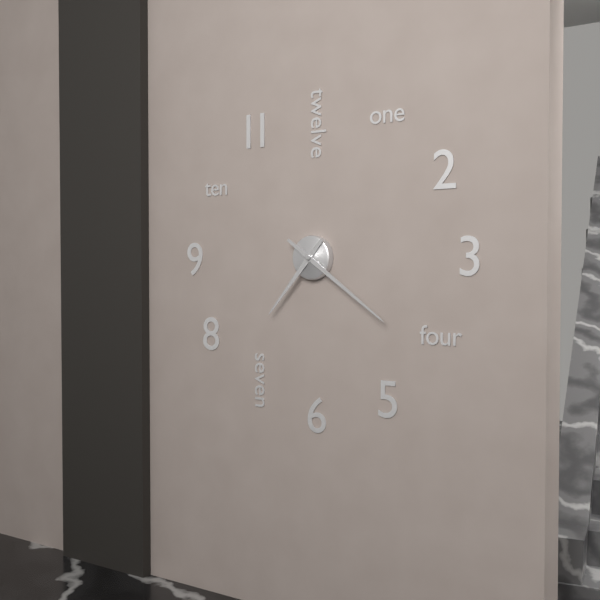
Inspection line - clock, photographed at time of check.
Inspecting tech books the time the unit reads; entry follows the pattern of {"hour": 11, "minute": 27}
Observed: {"hour": 7, "minute": 21}
